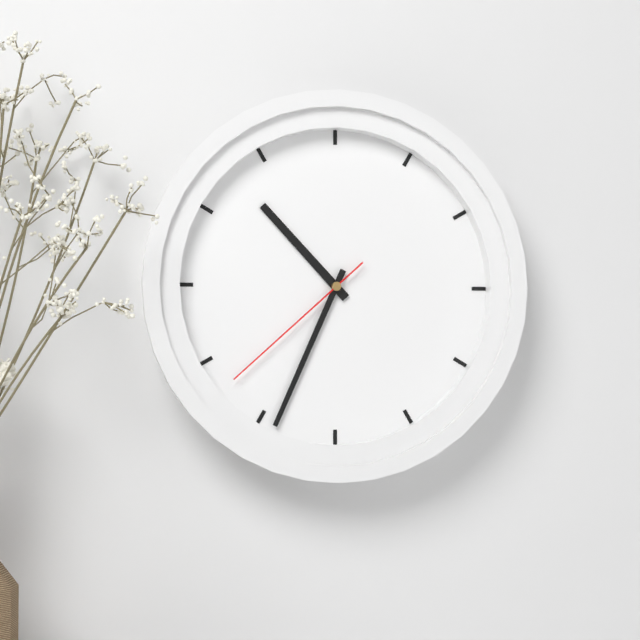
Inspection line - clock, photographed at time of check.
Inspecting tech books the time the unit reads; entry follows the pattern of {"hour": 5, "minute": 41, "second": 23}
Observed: {"hour": 10, "minute": 34, "second": 38}
